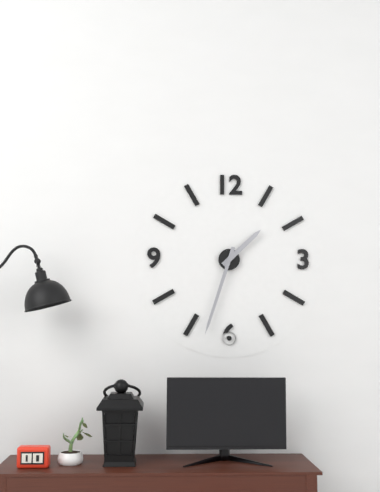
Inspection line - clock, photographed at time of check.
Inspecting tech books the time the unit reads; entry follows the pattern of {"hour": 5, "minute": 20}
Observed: {"hour": 1, "minute": 33}
